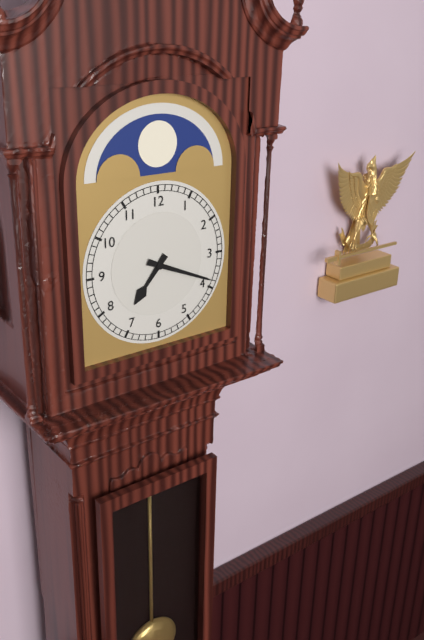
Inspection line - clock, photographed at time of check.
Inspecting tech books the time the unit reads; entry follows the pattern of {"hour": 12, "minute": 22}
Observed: {"hour": 7, "minute": 19}
